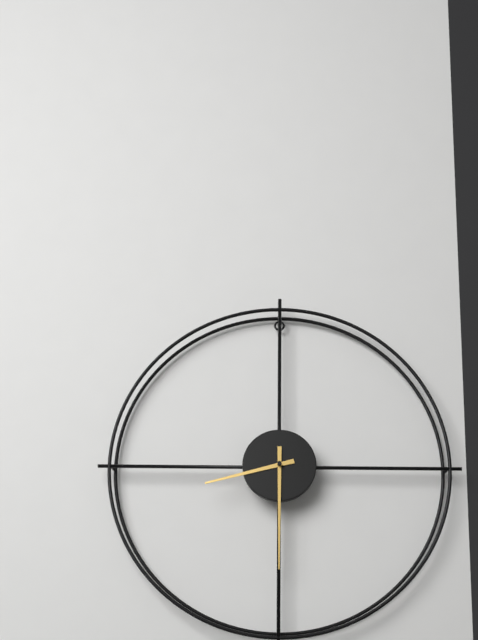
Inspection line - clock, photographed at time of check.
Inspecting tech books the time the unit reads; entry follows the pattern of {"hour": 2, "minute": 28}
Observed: {"hour": 8, "minute": 30}
